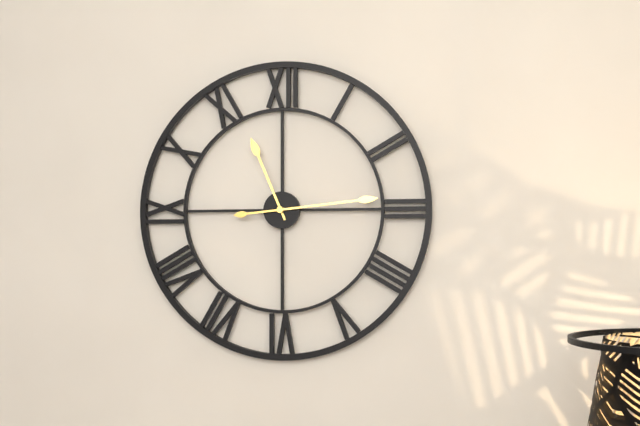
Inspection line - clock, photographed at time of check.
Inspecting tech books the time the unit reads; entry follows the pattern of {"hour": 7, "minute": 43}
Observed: {"hour": 11, "minute": 14}
